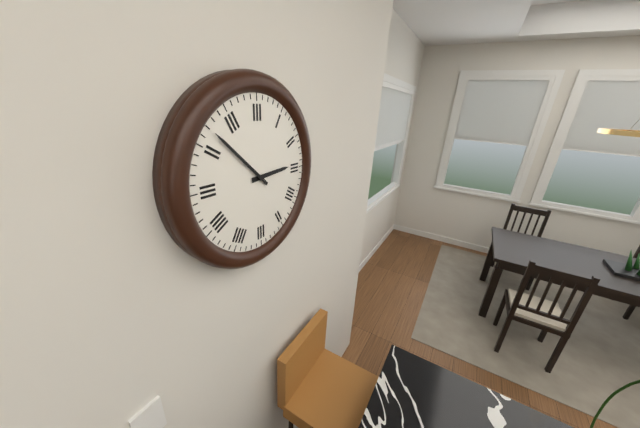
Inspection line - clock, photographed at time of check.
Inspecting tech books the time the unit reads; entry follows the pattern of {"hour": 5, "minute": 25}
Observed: {"hour": 2, "minute": 52}
